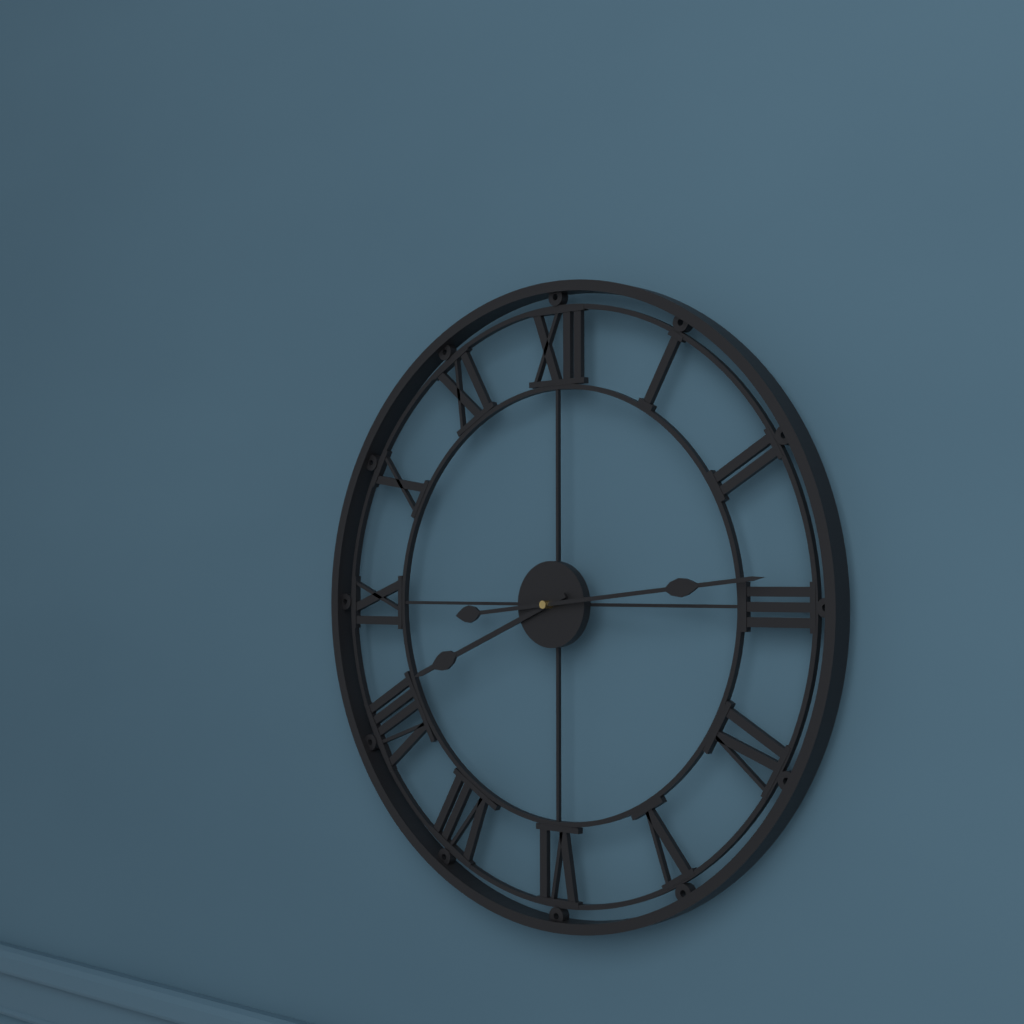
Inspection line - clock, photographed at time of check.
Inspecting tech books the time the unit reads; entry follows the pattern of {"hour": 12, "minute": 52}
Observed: {"hour": 8, "minute": 14}
